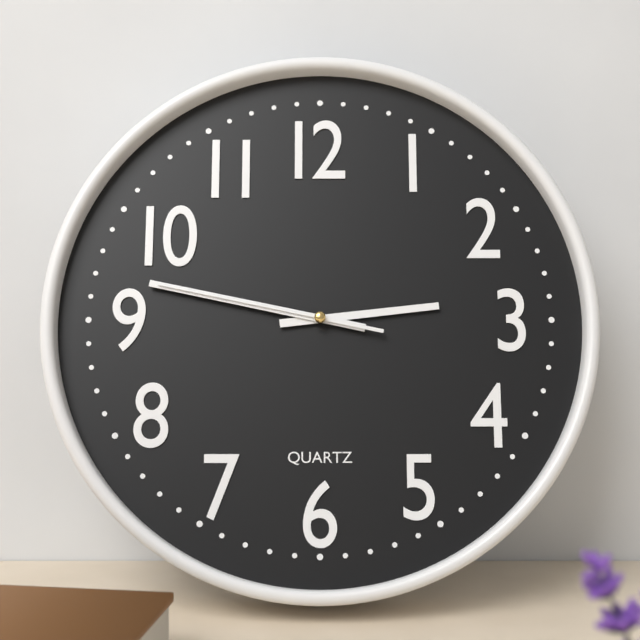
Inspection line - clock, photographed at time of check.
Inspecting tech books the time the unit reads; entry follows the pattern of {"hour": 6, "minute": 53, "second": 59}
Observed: {"hour": 2, "minute": 47, "second": 47}
